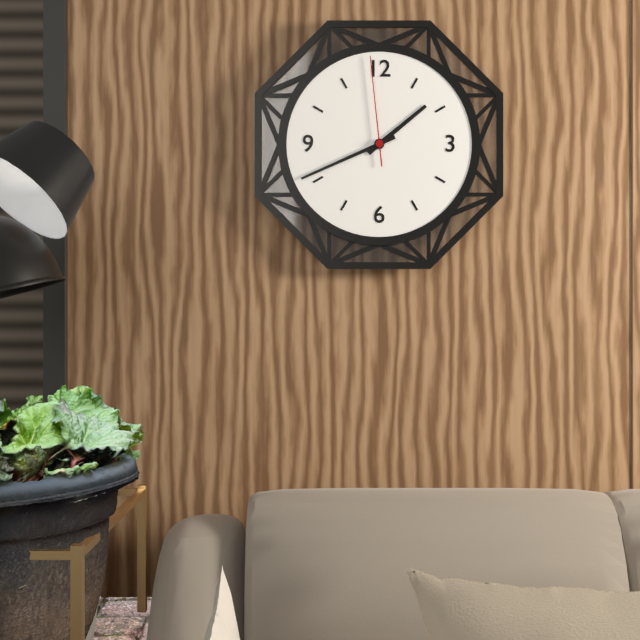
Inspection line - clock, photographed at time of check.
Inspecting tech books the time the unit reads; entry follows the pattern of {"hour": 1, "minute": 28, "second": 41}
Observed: {"hour": 1, "minute": 41, "second": 59}
